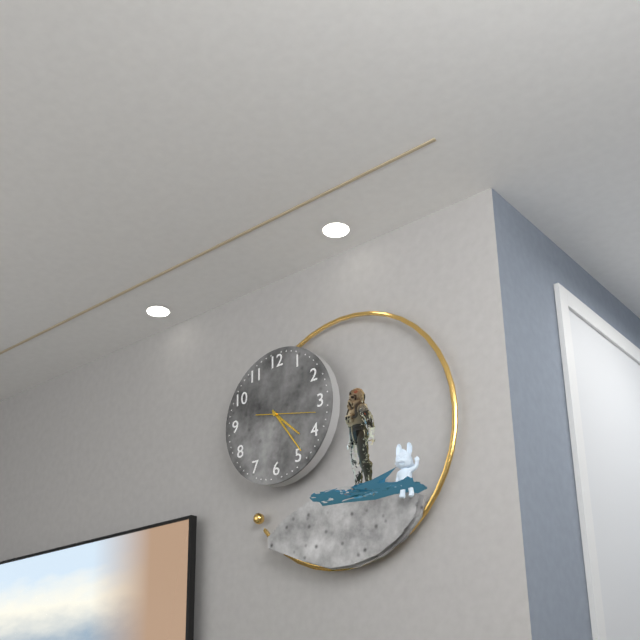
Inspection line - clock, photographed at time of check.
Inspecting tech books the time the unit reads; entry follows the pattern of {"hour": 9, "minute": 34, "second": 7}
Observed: {"hour": 4, "minute": 24, "second": 17}
